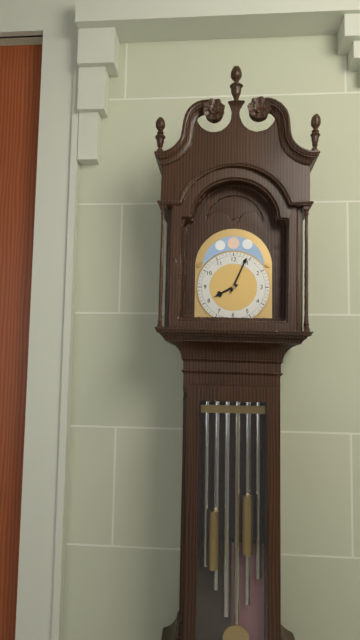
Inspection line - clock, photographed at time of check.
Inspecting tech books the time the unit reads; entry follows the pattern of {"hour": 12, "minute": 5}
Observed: {"hour": 8, "minute": 4}
